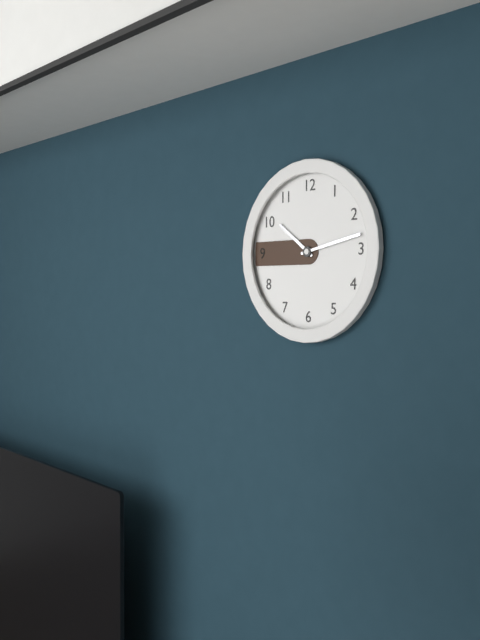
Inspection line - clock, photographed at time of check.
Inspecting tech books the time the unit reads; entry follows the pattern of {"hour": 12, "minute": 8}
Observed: {"hour": 10, "minute": 13}
